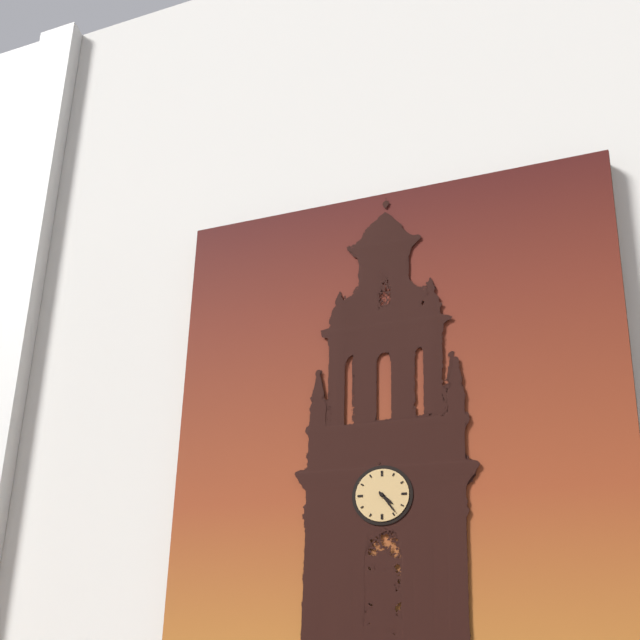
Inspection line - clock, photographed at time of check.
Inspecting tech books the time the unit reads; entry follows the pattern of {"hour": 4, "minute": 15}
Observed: {"hour": 4, "minute": 24}
